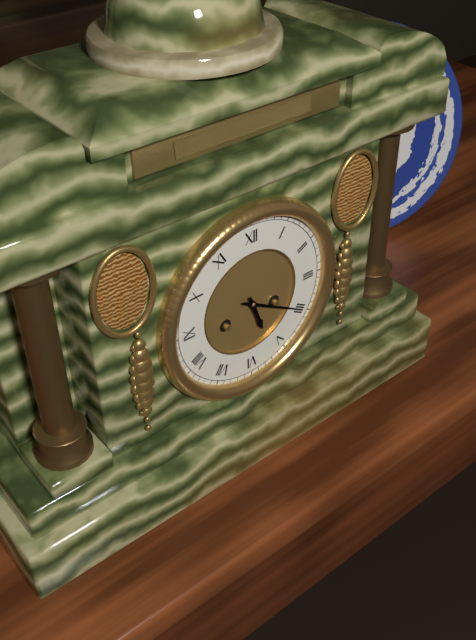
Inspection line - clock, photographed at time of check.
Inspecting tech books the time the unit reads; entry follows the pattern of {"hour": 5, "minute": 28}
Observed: {"hour": 5, "minute": 20}
